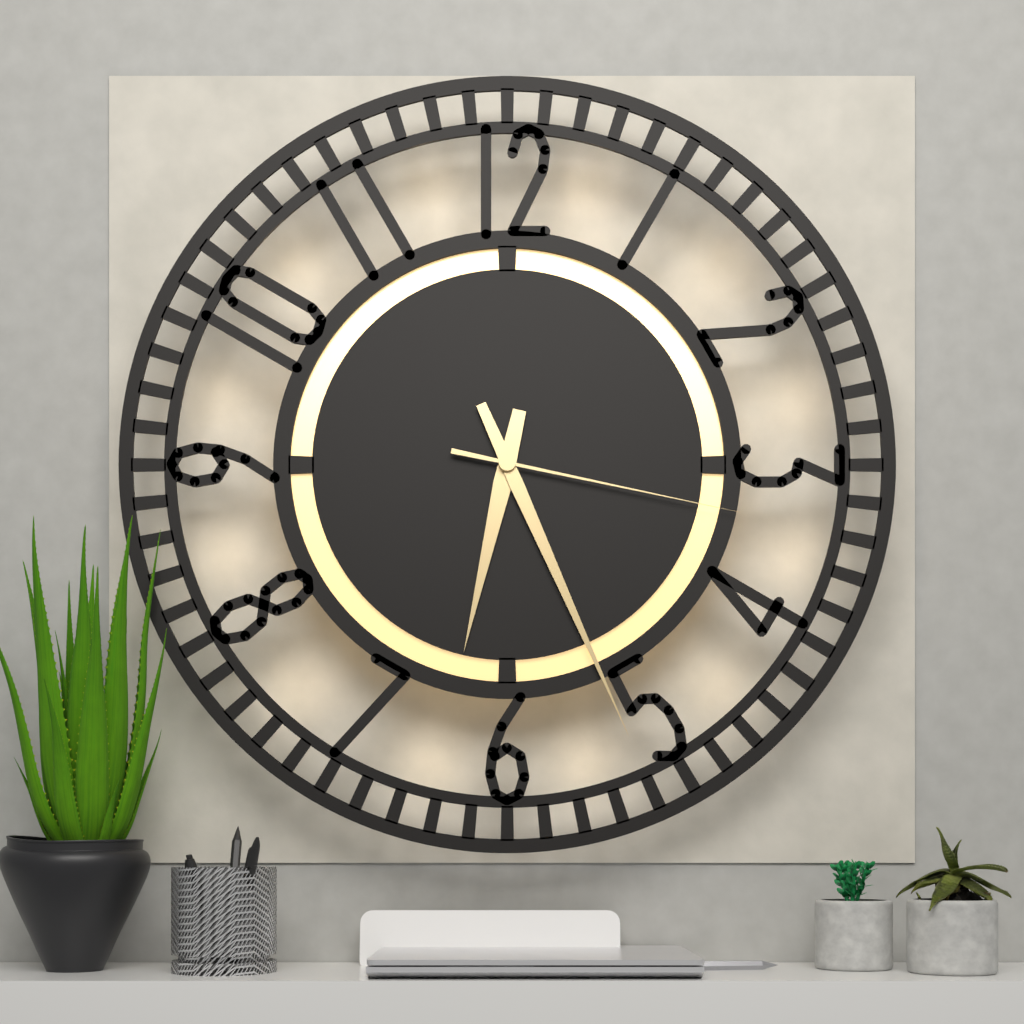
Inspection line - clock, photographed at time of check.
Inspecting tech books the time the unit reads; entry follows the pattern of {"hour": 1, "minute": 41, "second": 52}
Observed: {"hour": 6, "minute": 26, "second": 17}
